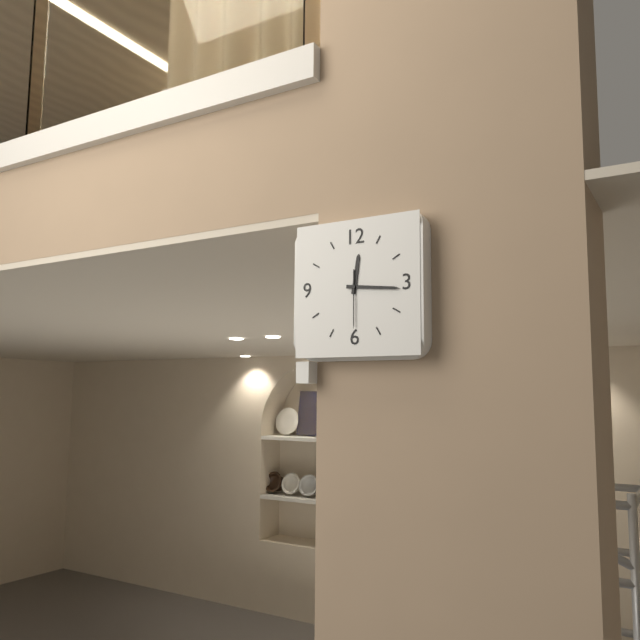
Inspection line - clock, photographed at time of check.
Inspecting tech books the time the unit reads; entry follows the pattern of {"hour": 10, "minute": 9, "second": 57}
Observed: {"hour": 12, "minute": 16, "second": 30}
